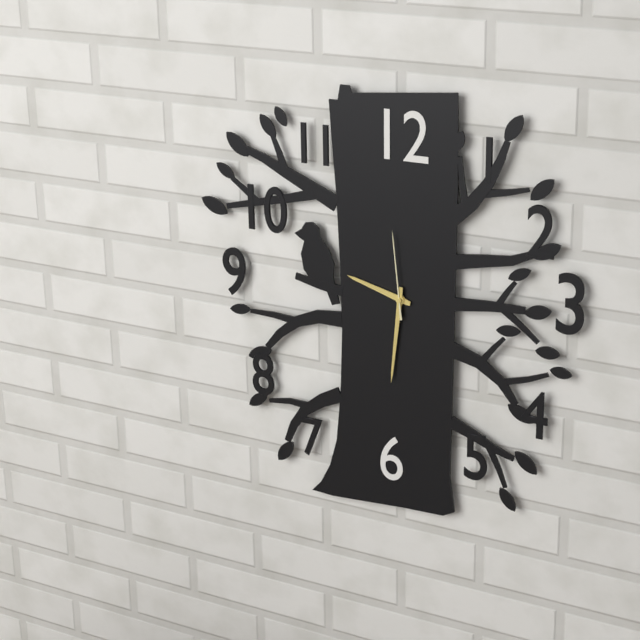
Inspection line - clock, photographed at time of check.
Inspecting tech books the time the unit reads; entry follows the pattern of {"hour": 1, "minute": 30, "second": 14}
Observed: {"hour": 9, "minute": 31, "second": 59}
